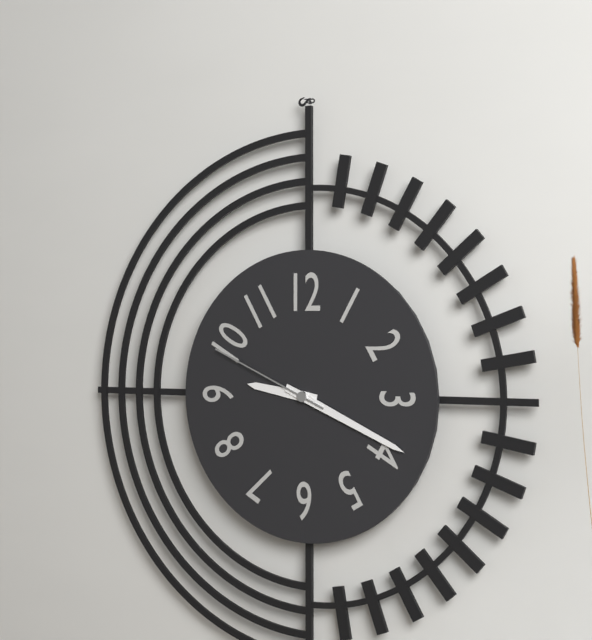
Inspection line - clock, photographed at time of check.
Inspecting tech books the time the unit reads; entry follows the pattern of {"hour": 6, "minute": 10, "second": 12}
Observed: {"hour": 9, "minute": 19, "second": 49}
